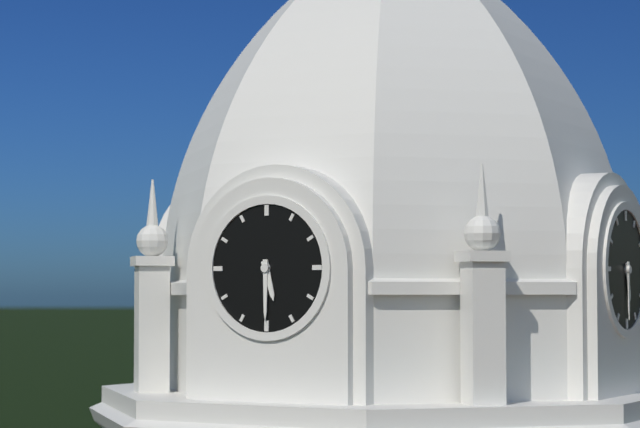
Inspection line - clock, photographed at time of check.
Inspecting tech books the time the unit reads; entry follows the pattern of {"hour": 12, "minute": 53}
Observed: {"hour": 5, "minute": 30}
